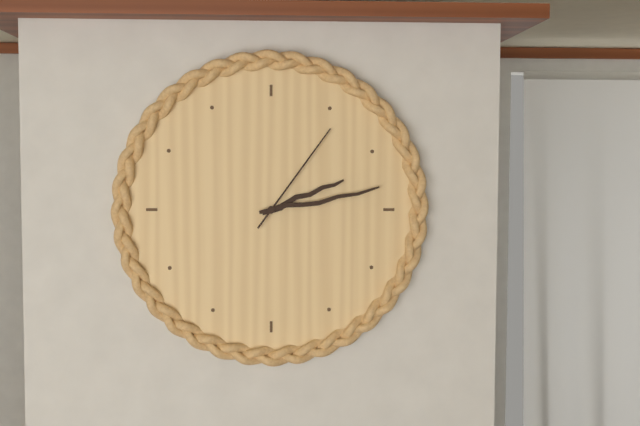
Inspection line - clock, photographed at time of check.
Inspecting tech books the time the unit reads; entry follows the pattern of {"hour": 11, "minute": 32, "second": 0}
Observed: {"hour": 2, "minute": 13, "second": 6}
